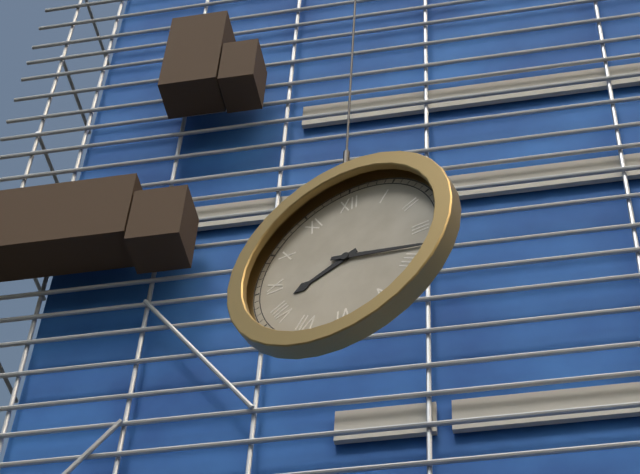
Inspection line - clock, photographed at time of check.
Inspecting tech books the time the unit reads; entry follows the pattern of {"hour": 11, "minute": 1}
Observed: {"hour": 8, "minute": 18}
